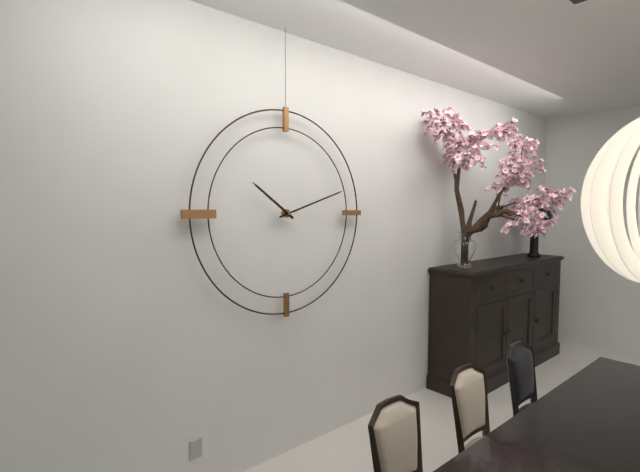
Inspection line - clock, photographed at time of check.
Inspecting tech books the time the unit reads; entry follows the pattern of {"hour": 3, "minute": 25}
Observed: {"hour": 10, "minute": 12}
